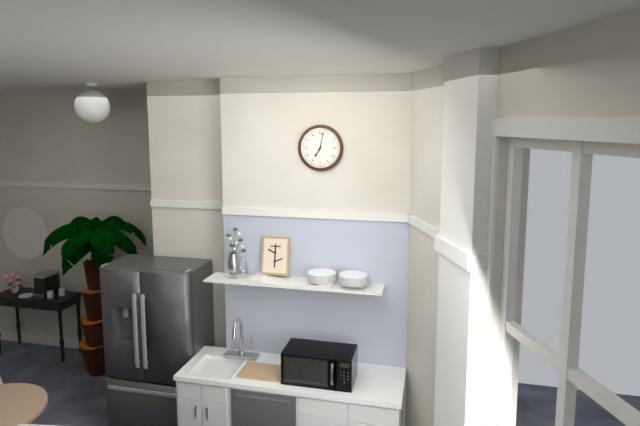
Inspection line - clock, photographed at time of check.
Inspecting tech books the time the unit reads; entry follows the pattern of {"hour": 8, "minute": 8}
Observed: {"hour": 7, "minute": 2}
